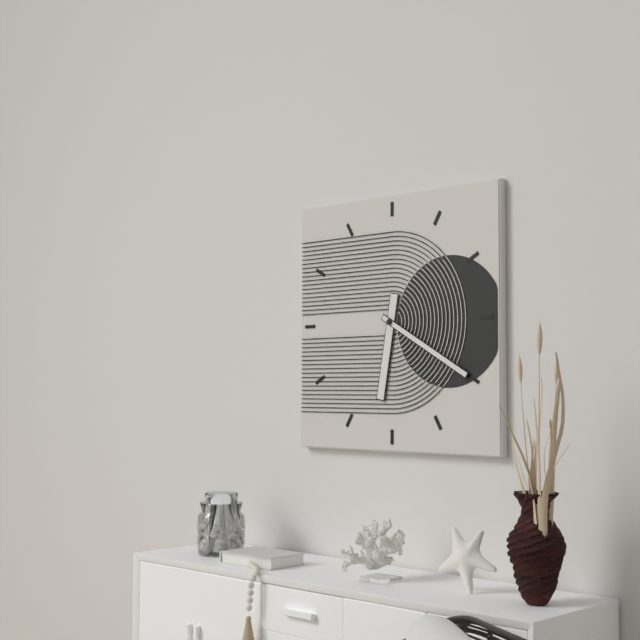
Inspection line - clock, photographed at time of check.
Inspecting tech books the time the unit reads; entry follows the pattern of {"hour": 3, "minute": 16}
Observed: {"hour": 6, "minute": 20}
